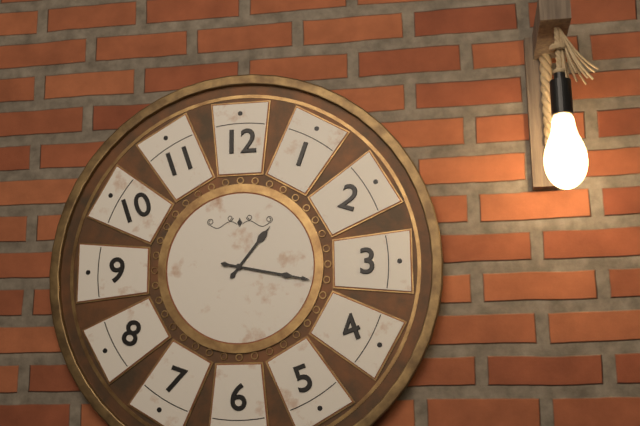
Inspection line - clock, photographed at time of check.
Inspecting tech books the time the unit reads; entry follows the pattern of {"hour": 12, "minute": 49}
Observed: {"hour": 1, "minute": 17}
